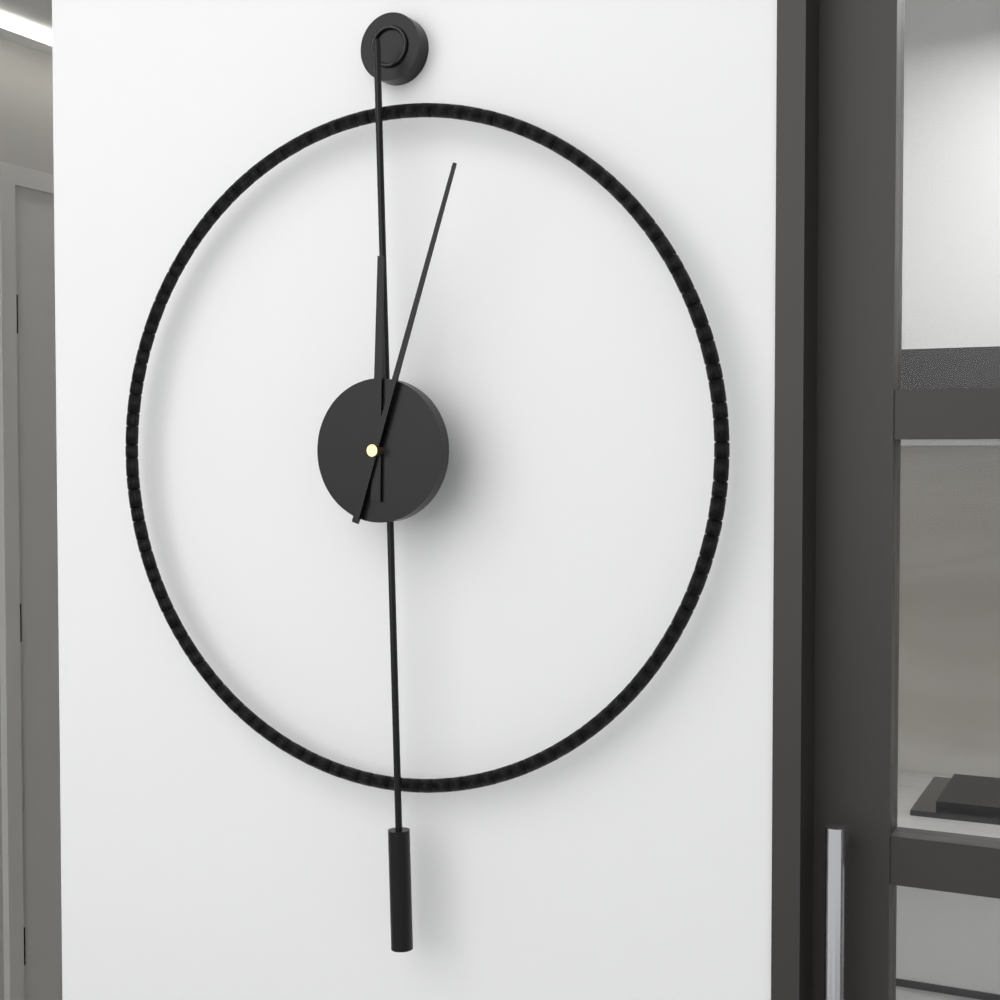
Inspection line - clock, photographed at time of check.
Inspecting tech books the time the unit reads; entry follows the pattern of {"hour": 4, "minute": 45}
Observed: {"hour": 12, "minute": 3}
